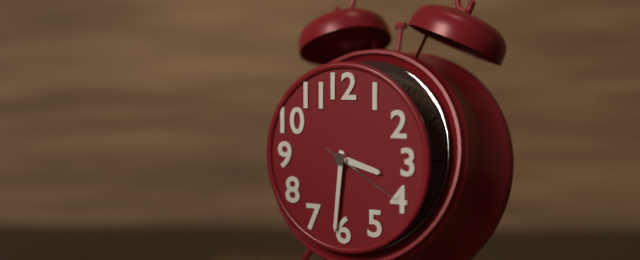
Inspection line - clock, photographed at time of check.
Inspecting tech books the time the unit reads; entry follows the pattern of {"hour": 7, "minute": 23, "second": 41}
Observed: {"hour": 3, "minute": 31, "second": 20}
